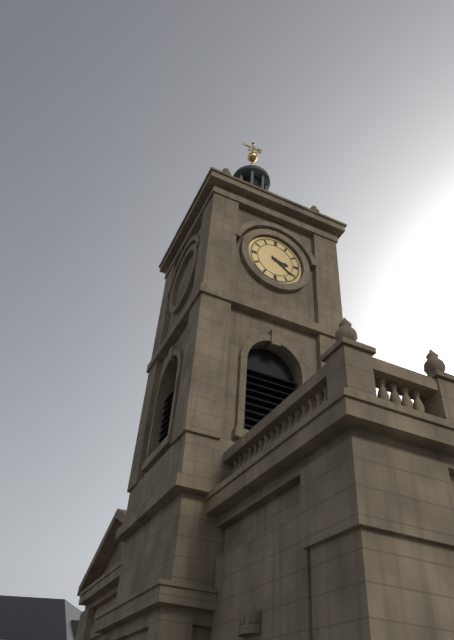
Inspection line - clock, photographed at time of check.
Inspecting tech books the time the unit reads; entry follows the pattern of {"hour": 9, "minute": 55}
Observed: {"hour": 3, "minute": 21}
